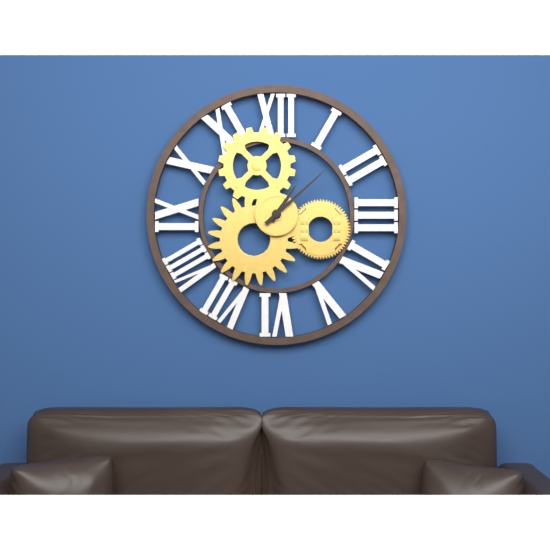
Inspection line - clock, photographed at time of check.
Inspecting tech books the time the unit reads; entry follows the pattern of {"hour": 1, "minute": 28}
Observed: {"hour": 1, "minute": 8}
